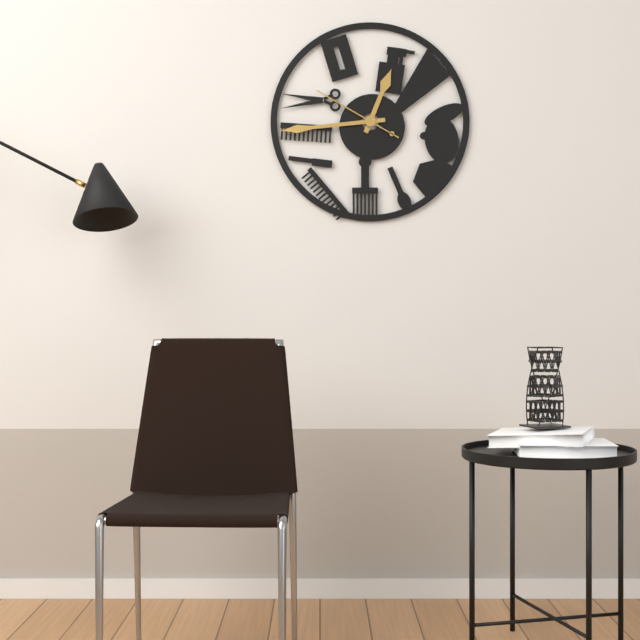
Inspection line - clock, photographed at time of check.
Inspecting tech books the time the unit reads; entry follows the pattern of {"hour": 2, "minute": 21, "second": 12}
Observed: {"hour": 12, "minute": 44, "second": 50}
